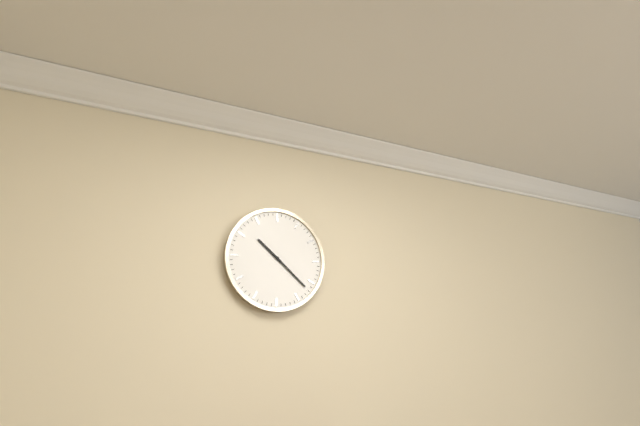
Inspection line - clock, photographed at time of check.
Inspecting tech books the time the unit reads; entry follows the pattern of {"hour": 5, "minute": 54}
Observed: {"hour": 10, "minute": 22}
